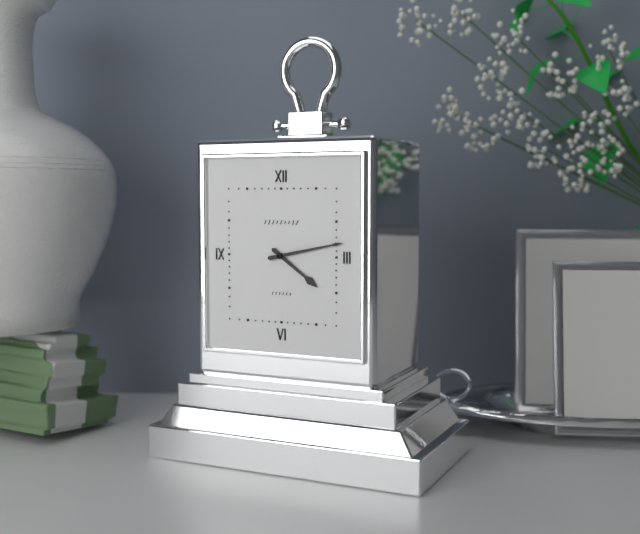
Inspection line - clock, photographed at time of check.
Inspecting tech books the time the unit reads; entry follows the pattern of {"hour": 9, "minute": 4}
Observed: {"hour": 4, "minute": 13}
